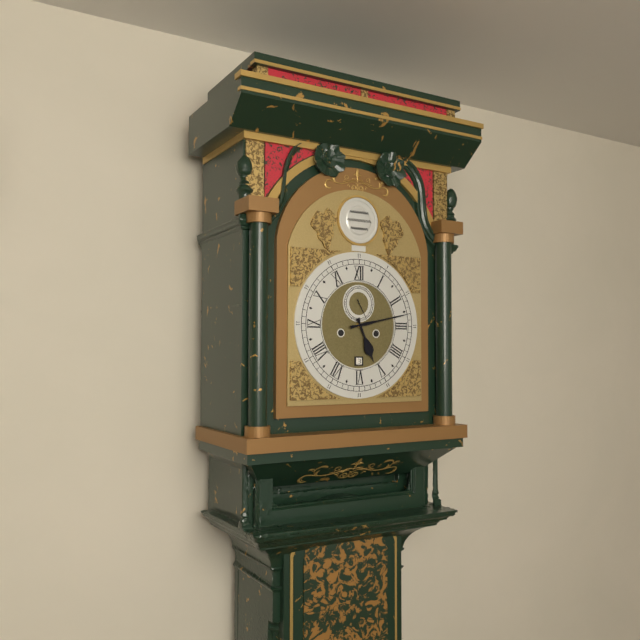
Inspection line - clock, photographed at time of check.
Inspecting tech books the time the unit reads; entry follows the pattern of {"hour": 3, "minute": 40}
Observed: {"hour": 5, "minute": 13}
